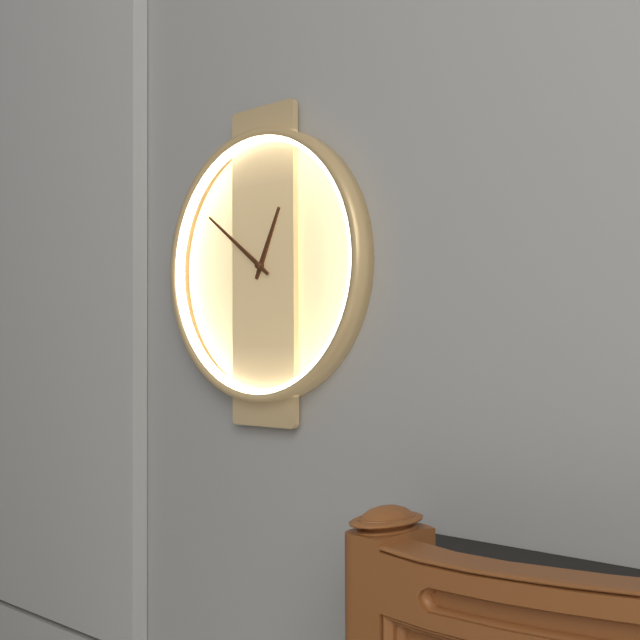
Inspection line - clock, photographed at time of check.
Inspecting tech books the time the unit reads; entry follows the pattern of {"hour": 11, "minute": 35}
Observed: {"hour": 12, "minute": 51}
